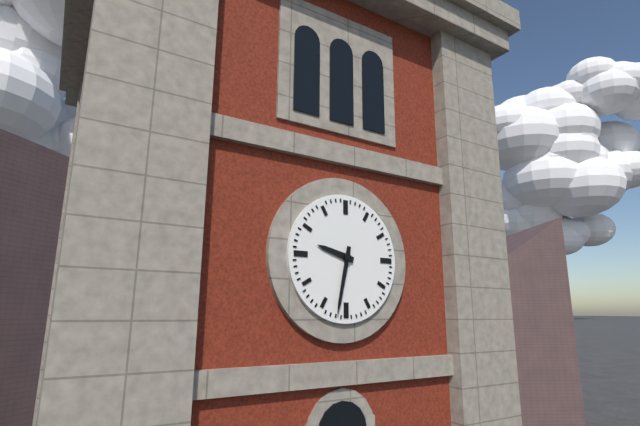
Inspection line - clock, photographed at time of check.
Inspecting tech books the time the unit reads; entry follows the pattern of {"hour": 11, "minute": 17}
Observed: {"hour": 9, "minute": 32}
